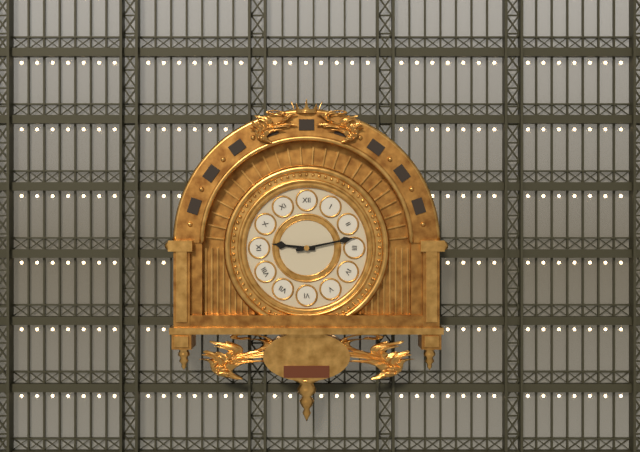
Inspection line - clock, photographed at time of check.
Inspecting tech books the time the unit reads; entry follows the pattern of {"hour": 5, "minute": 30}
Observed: {"hour": 9, "minute": 13}
